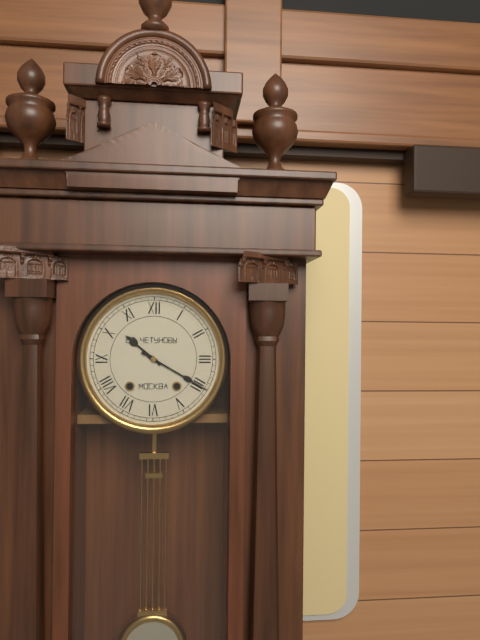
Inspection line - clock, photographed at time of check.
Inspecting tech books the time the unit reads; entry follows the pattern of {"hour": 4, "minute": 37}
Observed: {"hour": 10, "minute": 20}
